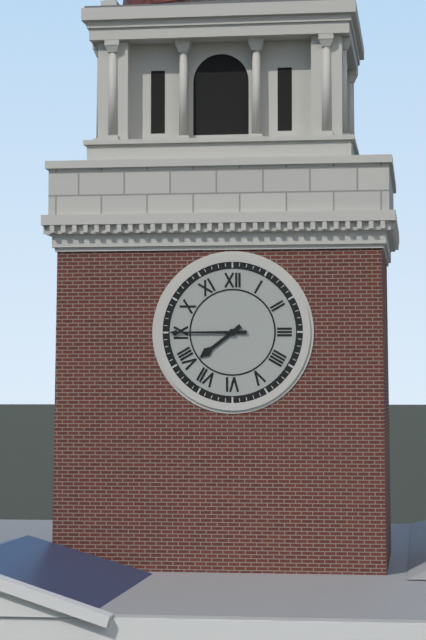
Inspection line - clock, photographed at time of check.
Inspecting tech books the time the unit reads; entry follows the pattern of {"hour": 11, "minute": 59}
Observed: {"hour": 7, "minute": 45}
